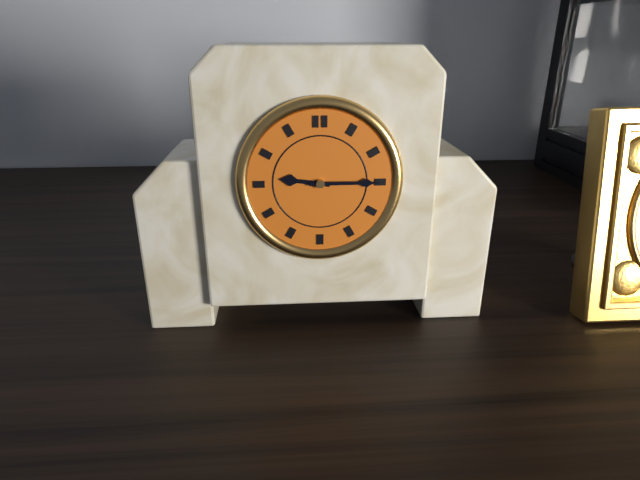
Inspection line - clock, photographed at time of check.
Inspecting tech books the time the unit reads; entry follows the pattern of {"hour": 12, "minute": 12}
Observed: {"hour": 9, "minute": 15}
